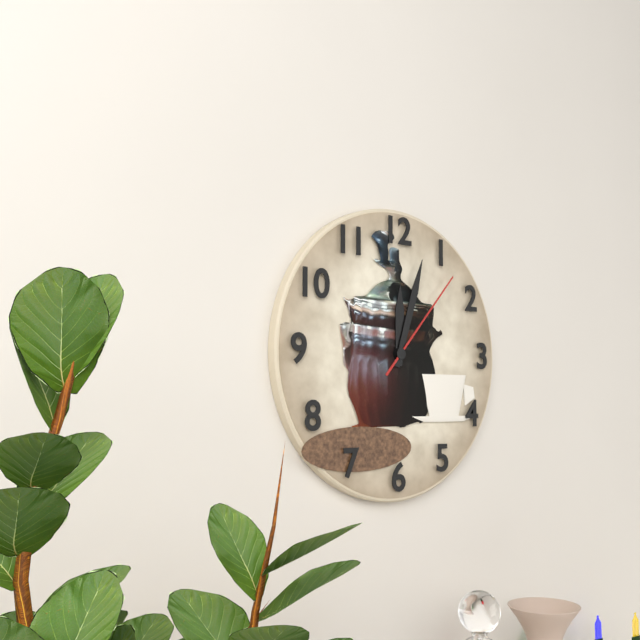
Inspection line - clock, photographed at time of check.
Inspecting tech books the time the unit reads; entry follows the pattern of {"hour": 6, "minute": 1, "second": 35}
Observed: {"hour": 12, "minute": 3, "second": 7}
